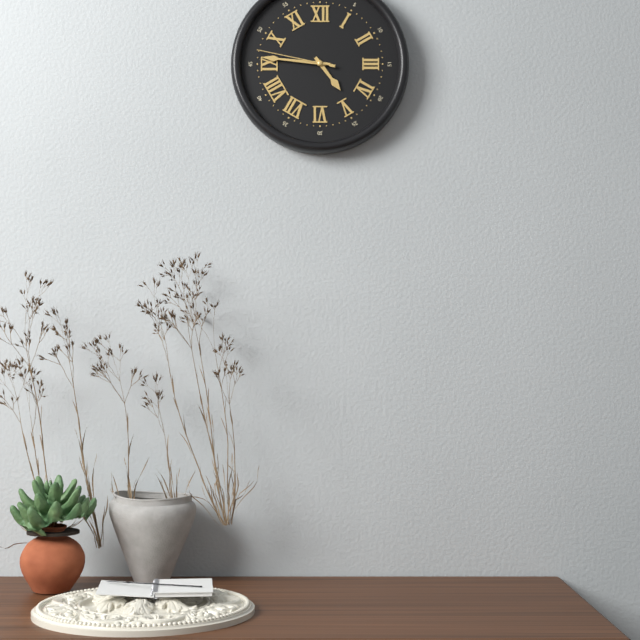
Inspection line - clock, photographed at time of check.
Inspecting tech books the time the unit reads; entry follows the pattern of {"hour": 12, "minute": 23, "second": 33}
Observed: {"hour": 4, "minute": 46, "second": 47}
